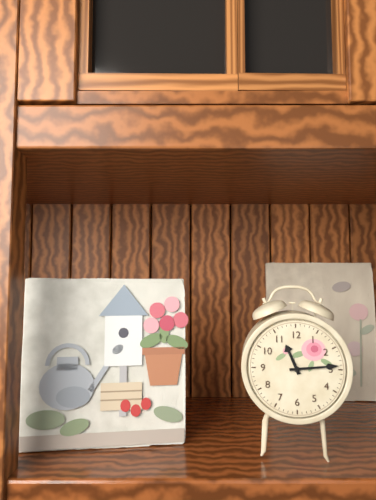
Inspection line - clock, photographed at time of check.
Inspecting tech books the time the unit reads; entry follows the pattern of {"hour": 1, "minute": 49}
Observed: {"hour": 11, "minute": 14}
